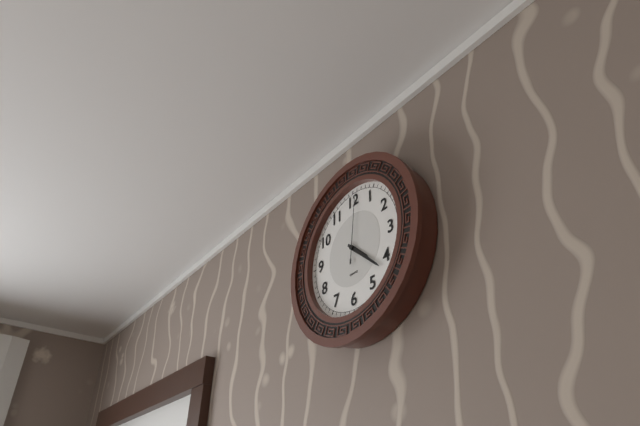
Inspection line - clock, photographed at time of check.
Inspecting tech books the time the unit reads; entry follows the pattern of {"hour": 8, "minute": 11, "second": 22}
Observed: {"hour": 4, "minute": 22, "second": 1}
